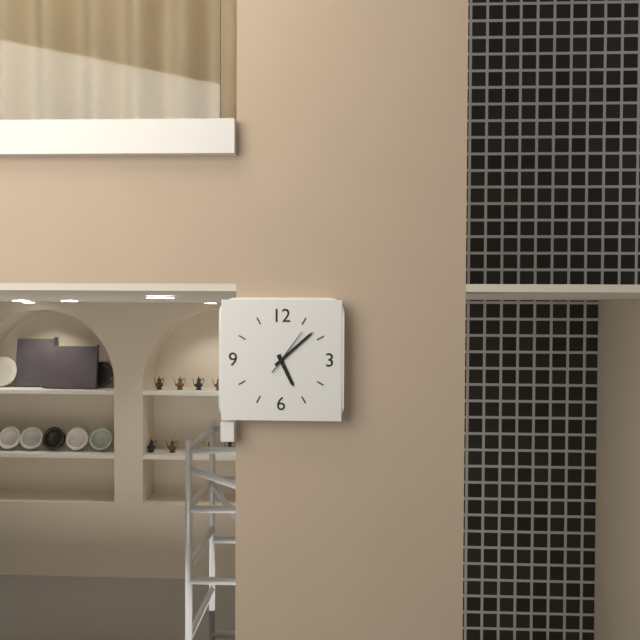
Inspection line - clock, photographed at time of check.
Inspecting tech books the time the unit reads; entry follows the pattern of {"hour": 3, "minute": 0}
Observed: {"hour": 5, "minute": 8}
